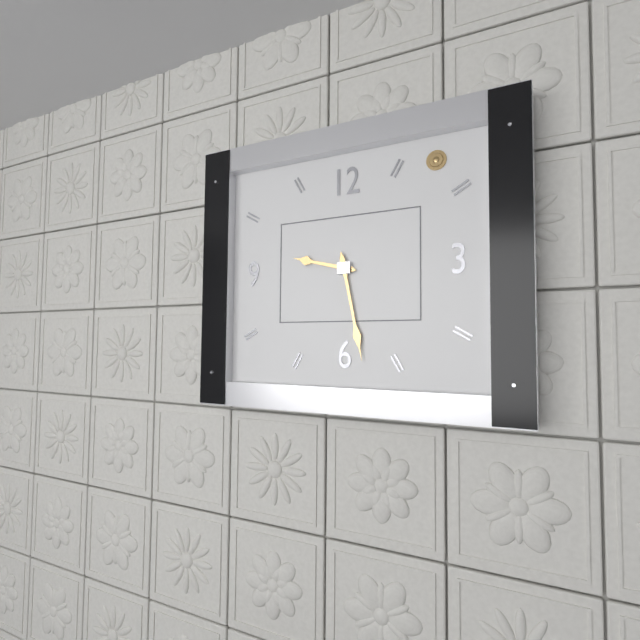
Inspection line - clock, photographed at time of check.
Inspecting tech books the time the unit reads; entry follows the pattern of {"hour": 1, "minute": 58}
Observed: {"hour": 9, "minute": 28}
